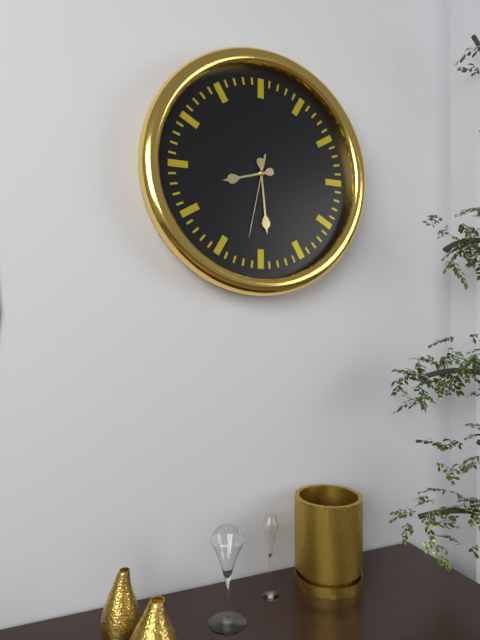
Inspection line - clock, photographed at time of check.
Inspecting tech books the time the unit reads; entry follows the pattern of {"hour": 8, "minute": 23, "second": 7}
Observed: {"hour": 8, "minute": 29, "second": 32}
